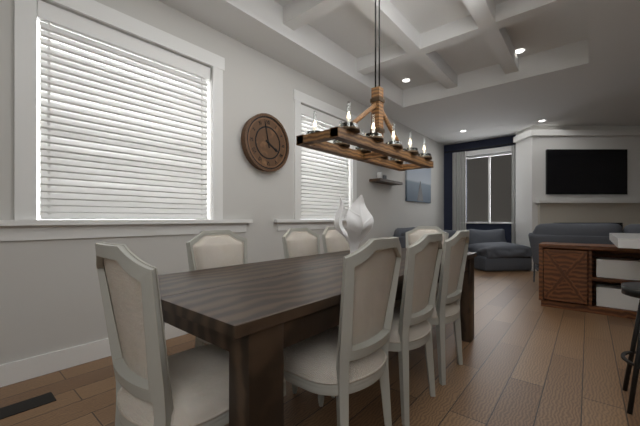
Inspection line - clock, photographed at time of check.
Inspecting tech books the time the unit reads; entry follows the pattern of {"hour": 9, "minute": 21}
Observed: {"hour": 3, "minute": 58}
